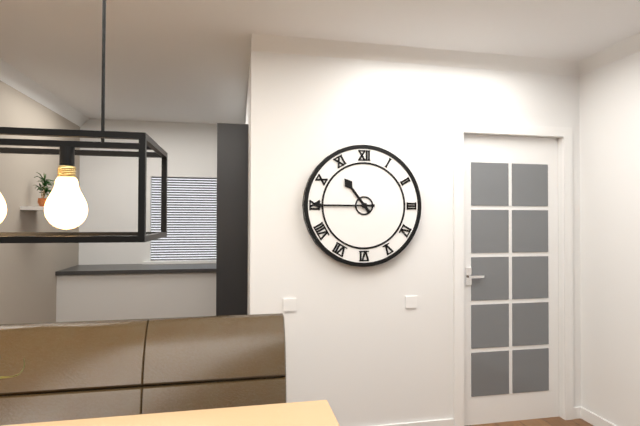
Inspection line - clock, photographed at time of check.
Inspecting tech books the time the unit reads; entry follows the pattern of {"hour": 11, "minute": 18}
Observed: {"hour": 10, "minute": 45}
